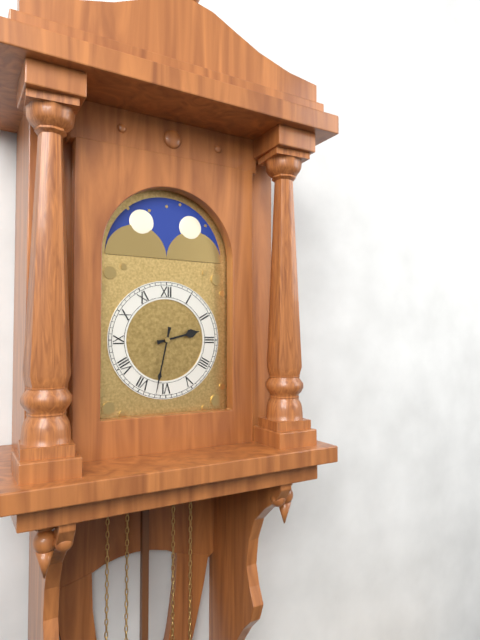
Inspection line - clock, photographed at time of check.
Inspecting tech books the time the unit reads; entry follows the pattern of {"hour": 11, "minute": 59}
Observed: {"hour": 2, "minute": 32}
